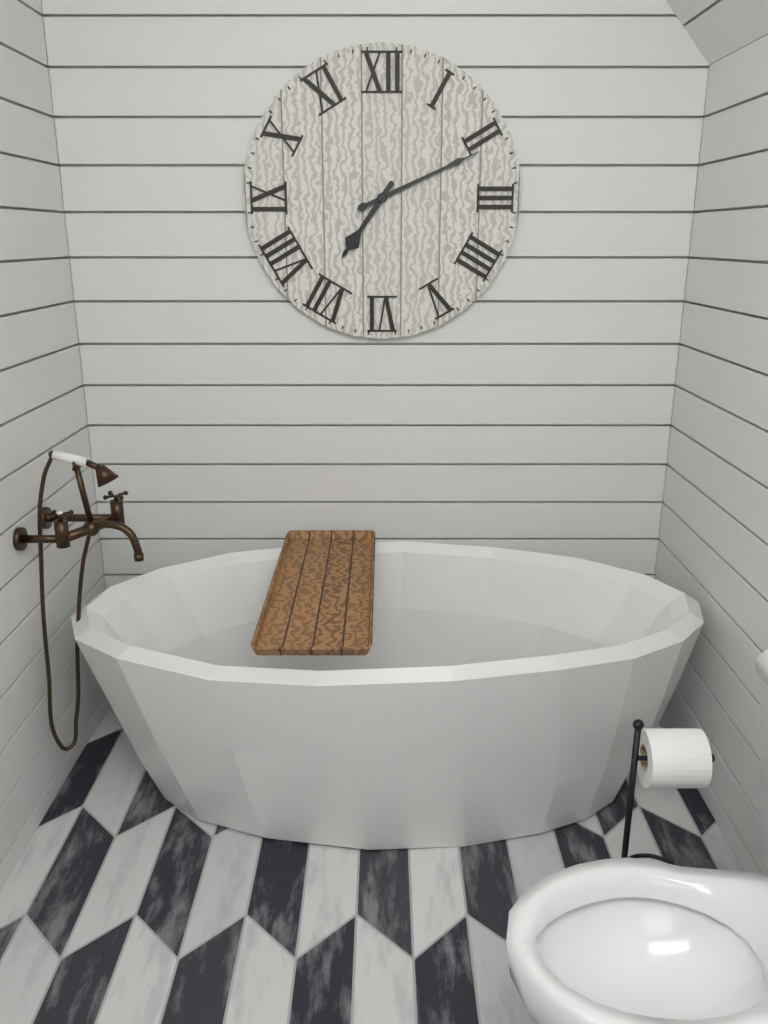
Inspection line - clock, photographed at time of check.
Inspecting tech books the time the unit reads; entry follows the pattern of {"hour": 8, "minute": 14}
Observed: {"hour": 7, "minute": 11}
